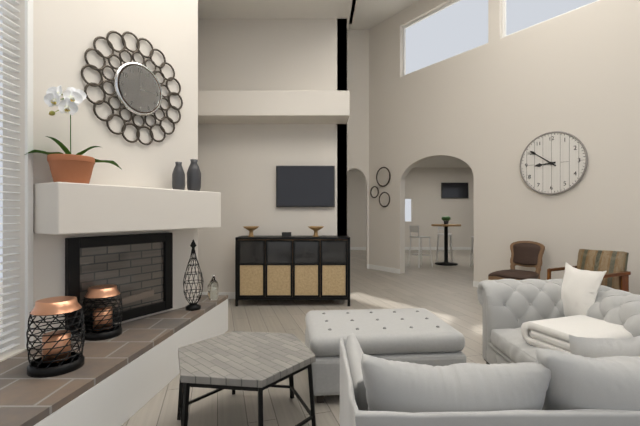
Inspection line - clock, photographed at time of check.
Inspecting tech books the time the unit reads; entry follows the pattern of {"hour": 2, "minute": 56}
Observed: {"hour": 8, "minute": 51}
